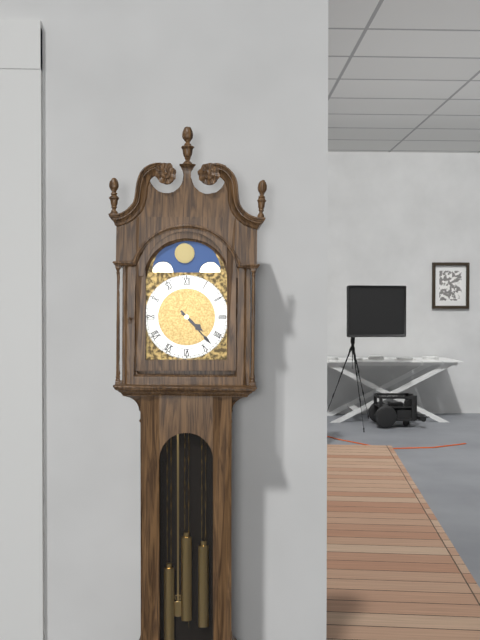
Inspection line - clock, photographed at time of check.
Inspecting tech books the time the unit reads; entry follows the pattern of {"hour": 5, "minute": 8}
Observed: {"hour": 4, "minute": 23}
